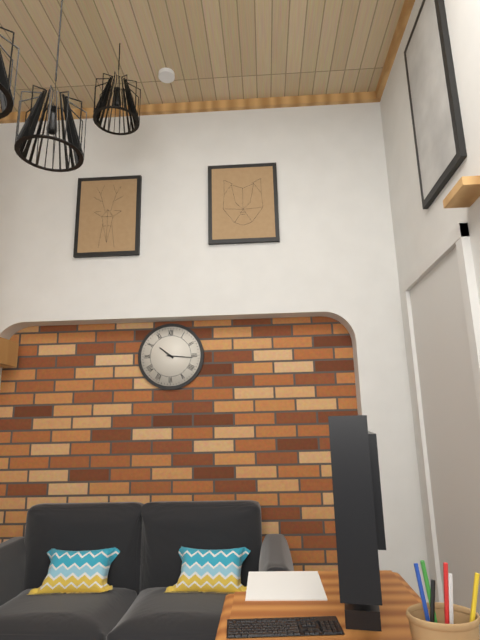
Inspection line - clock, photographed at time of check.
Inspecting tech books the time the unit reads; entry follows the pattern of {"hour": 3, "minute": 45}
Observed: {"hour": 10, "minute": 16}
